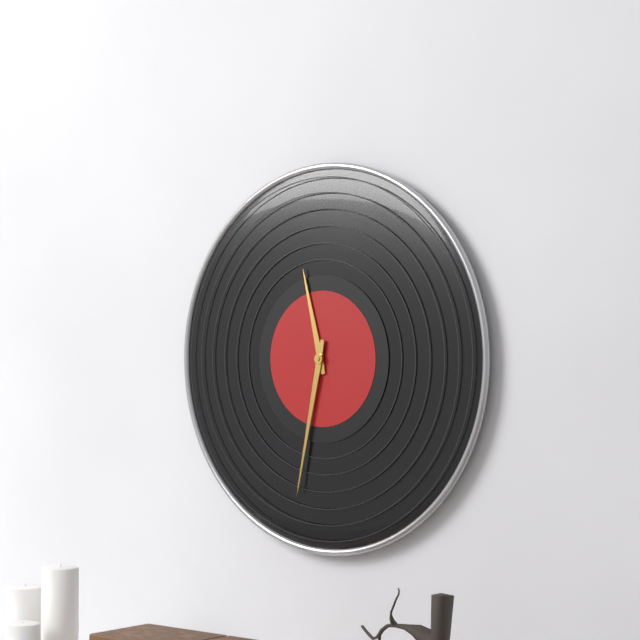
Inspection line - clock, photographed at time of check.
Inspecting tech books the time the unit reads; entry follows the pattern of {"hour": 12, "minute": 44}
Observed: {"hour": 11, "minute": 32}
